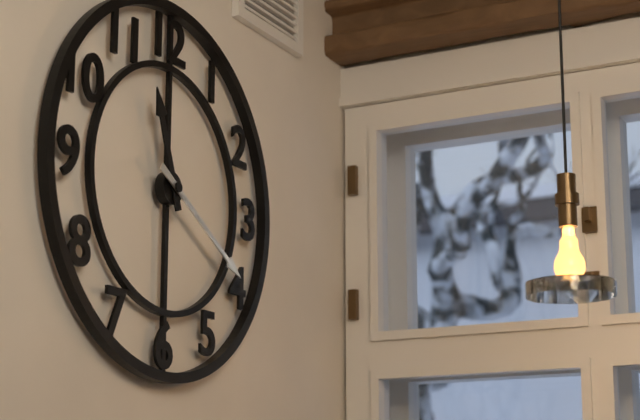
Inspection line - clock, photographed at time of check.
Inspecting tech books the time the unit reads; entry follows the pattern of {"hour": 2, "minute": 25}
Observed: {"hour": 11, "minute": 20}
